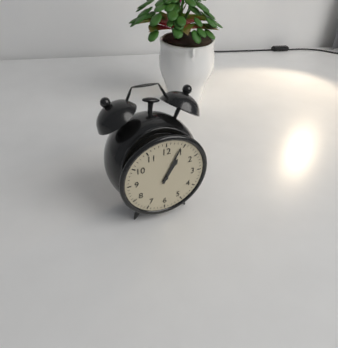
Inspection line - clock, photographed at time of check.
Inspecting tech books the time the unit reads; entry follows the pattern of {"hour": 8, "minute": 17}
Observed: {"hour": 1, "minute": 4}
